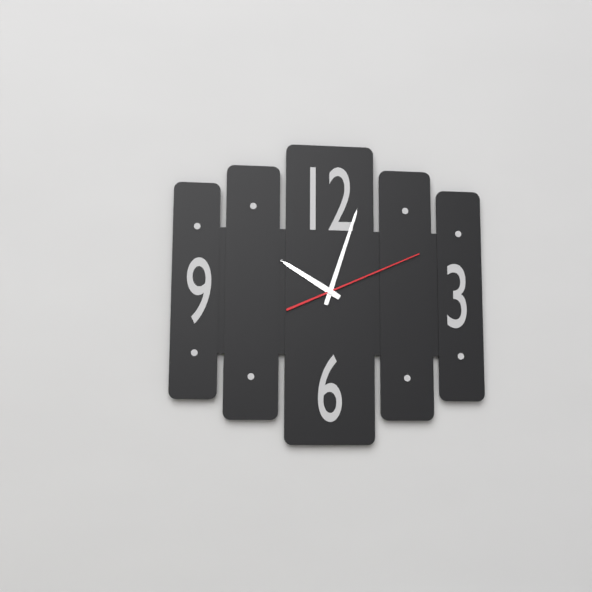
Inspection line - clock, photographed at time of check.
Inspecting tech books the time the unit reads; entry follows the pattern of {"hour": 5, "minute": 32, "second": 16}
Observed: {"hour": 10, "minute": 3, "second": 11}
